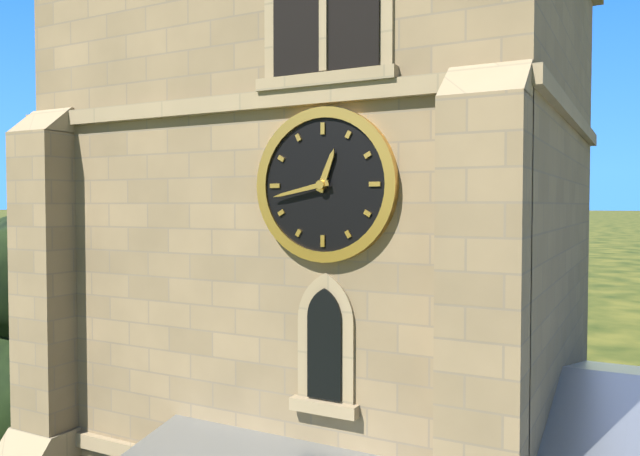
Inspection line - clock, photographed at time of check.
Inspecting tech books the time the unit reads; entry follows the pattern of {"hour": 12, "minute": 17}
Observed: {"hour": 12, "minute": 43}
